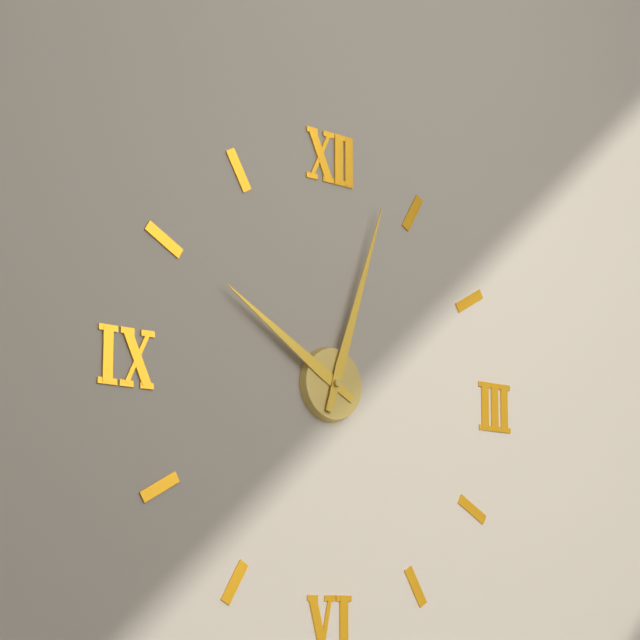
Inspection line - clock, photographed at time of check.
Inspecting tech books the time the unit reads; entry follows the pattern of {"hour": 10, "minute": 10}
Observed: {"hour": 10, "minute": 3}
